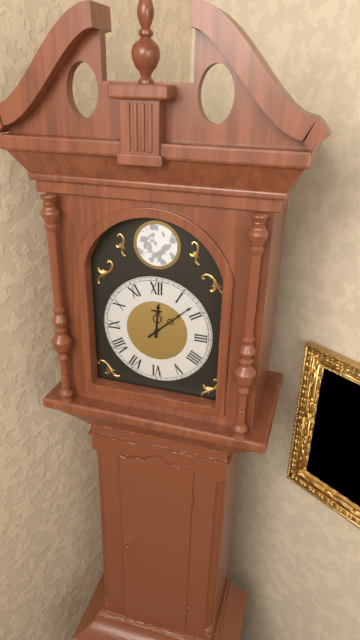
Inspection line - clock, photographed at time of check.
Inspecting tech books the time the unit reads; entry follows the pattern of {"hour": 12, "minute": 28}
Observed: {"hour": 12, "minute": 8}
